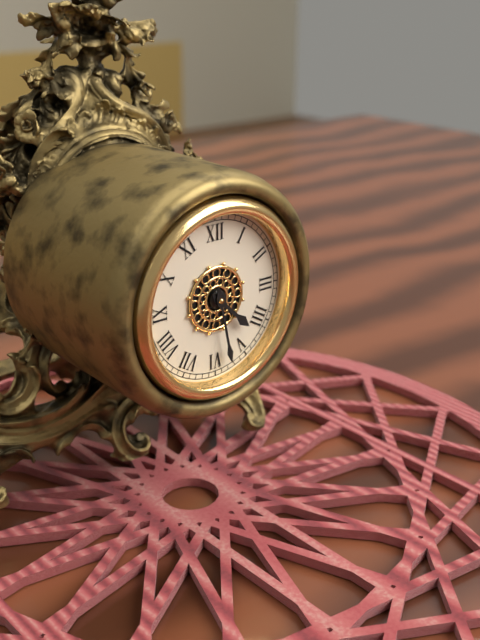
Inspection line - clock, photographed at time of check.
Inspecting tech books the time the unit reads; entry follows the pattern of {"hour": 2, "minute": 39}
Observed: {"hour": 4, "minute": 28}
